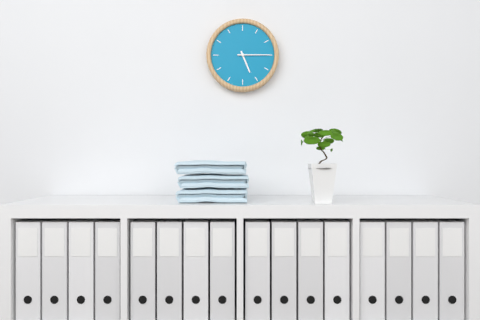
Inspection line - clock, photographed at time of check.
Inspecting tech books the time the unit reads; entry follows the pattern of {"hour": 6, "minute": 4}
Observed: {"hour": 5, "minute": 15}
